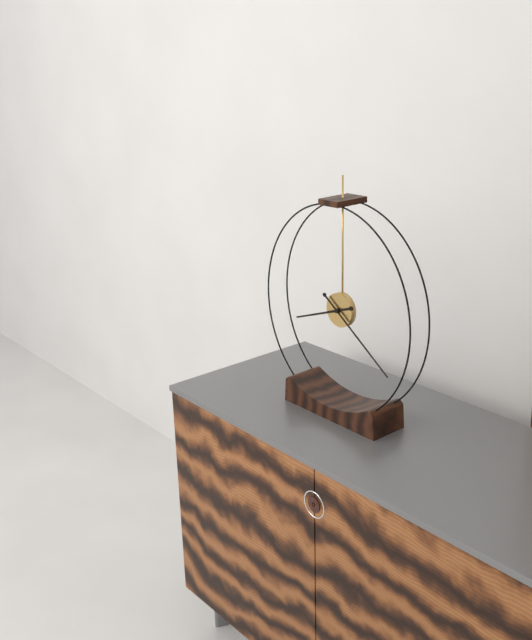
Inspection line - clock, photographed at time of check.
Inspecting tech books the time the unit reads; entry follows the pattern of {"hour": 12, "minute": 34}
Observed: {"hour": 8, "minute": 21}
